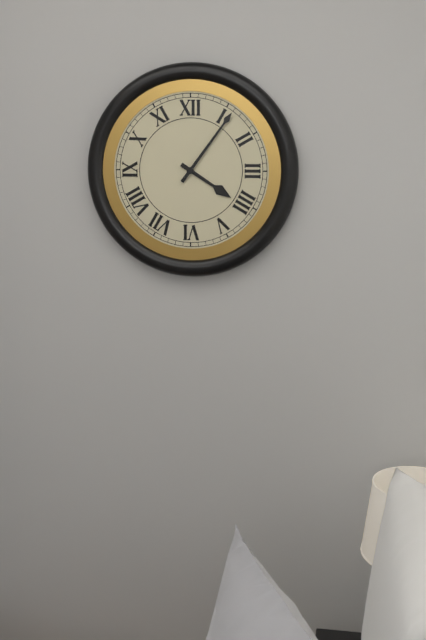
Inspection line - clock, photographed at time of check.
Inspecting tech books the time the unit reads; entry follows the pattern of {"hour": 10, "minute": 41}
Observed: {"hour": 4, "minute": 6}
